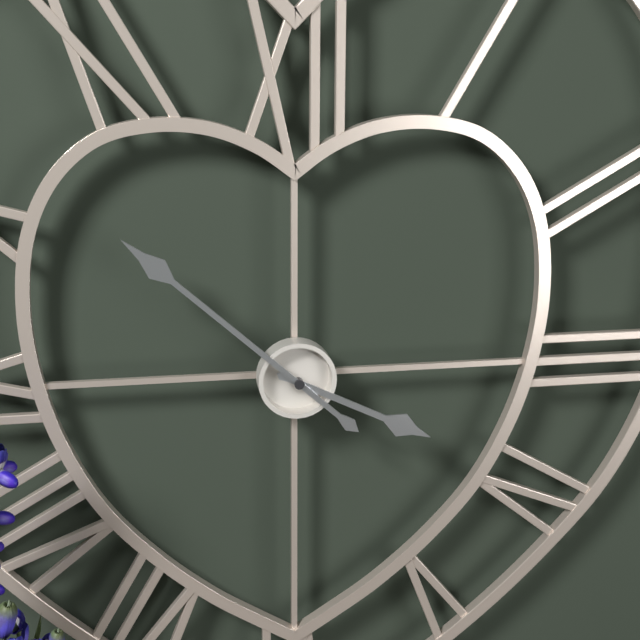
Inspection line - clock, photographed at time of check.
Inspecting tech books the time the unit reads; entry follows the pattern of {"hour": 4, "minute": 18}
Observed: {"hour": 3, "minute": 52}
